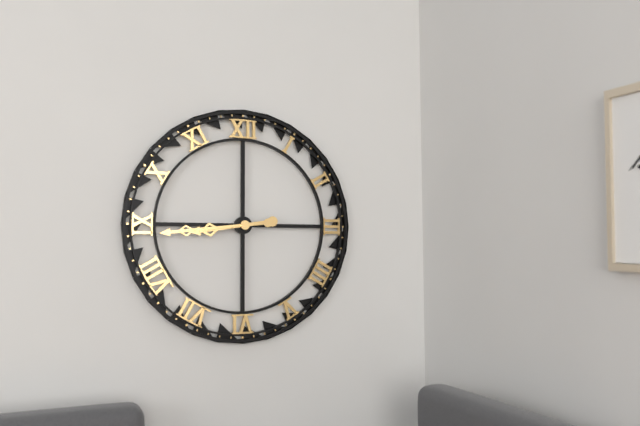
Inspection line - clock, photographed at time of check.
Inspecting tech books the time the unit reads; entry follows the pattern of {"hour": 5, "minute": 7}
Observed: {"hour": 8, "minute": 44}
